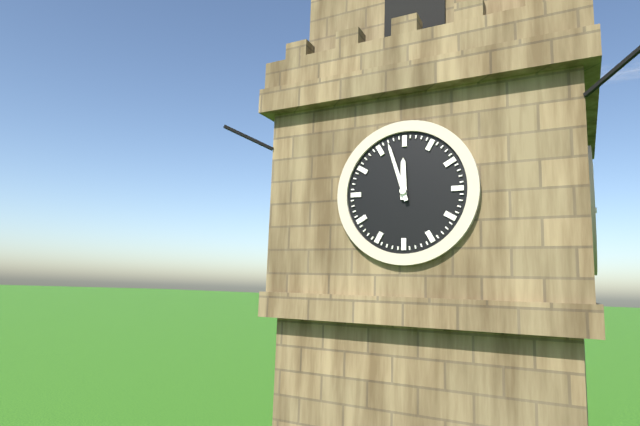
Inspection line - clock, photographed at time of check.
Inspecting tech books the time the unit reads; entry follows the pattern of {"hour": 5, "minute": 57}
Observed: {"hour": 11, "minute": 57}
